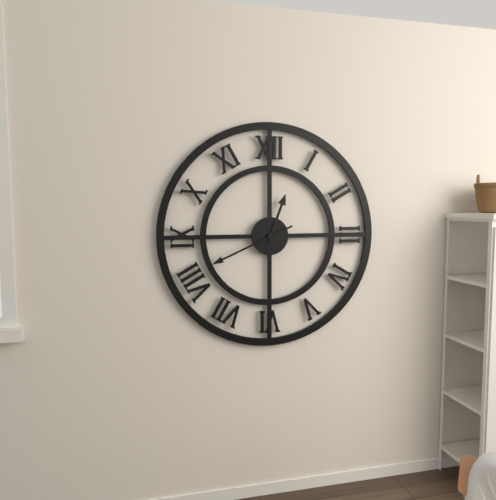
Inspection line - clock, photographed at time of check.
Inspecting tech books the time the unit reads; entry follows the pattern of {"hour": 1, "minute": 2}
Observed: {"hour": 12, "minute": 41}
